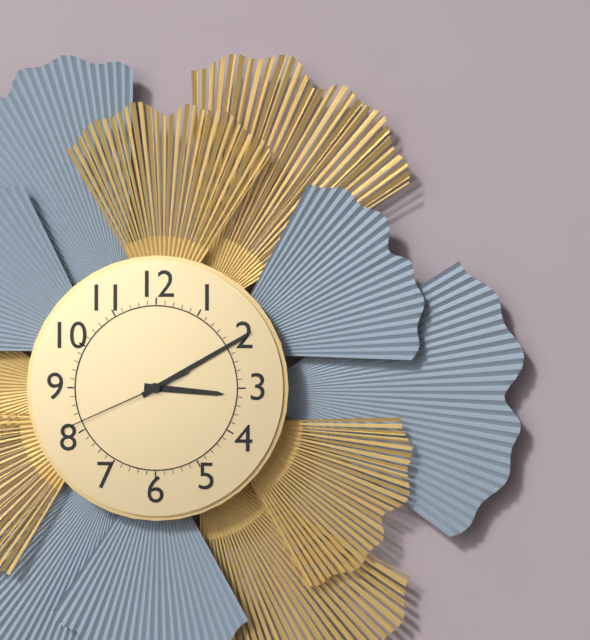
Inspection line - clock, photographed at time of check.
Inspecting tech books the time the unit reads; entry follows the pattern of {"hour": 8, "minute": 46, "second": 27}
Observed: {"hour": 3, "minute": 10, "second": 41}
